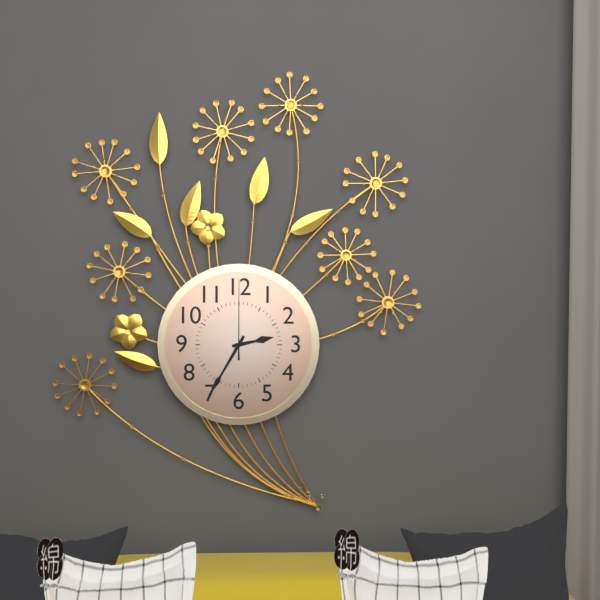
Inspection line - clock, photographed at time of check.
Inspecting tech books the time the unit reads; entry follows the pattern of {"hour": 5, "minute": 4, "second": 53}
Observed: {"hour": 2, "minute": 35, "second": 0}
